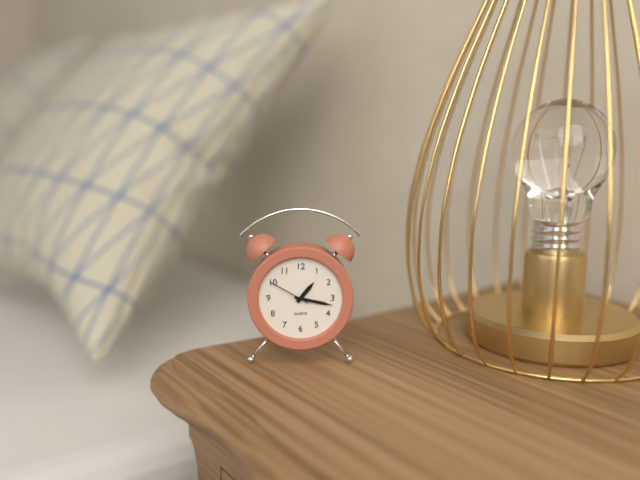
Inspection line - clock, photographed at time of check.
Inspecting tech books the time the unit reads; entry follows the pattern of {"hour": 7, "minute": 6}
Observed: {"hour": 1, "minute": 17}
